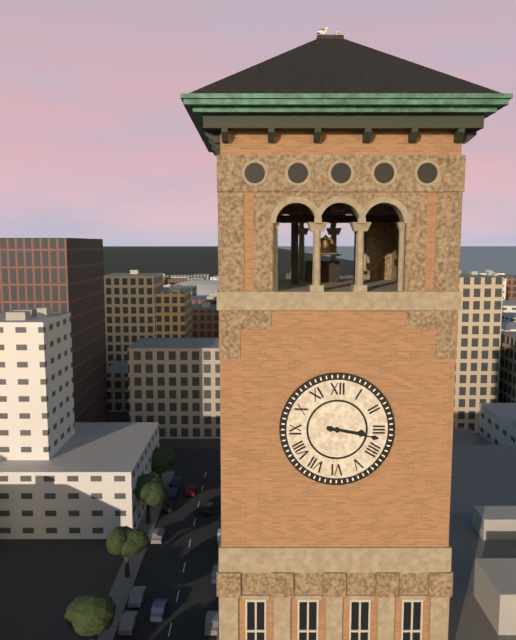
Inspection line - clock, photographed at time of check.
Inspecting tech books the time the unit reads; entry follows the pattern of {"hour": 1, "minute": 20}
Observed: {"hour": 3, "minute": 17}
